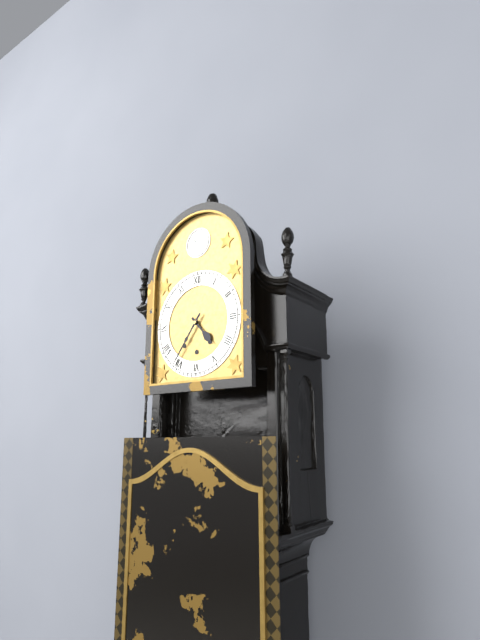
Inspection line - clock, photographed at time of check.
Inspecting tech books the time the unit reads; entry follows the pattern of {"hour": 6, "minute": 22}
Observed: {"hour": 4, "minute": 36}
